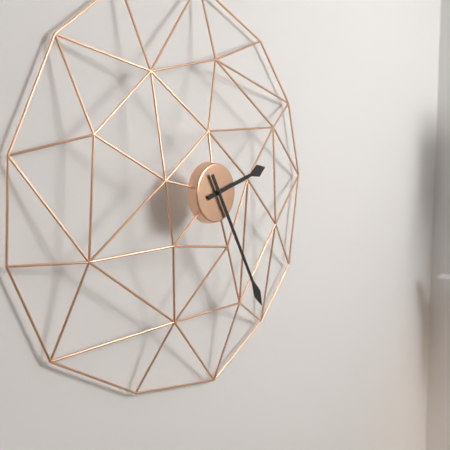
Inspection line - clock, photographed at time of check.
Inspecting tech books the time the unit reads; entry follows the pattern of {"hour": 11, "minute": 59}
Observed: {"hour": 2, "minute": 25}
